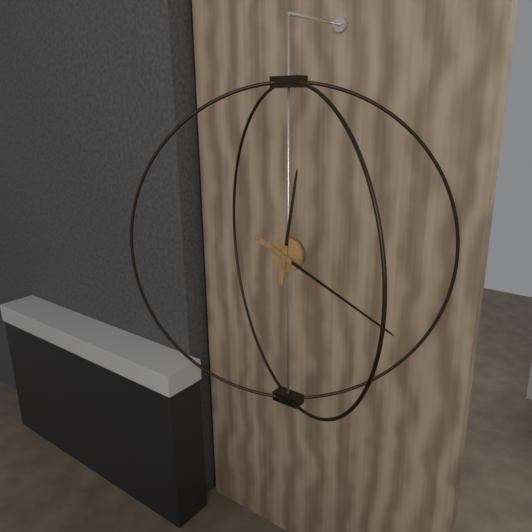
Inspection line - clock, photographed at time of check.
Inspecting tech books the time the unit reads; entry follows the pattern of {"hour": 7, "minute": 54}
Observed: {"hour": 12, "minute": 19}
